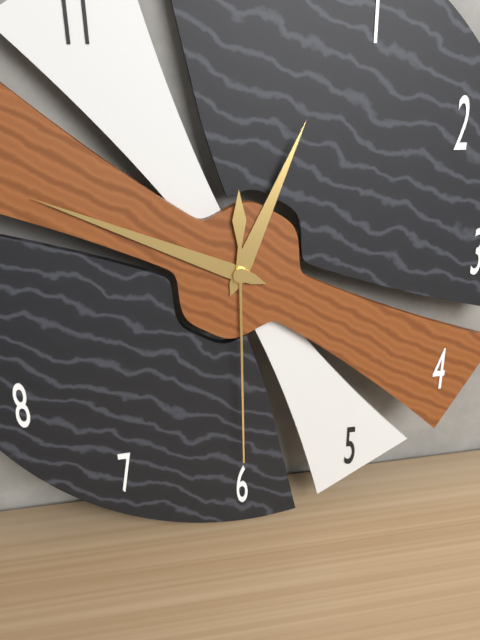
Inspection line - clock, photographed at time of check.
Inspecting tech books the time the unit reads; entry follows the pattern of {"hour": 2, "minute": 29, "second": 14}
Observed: {"hour": 12, "minute": 49, "second": 30}
